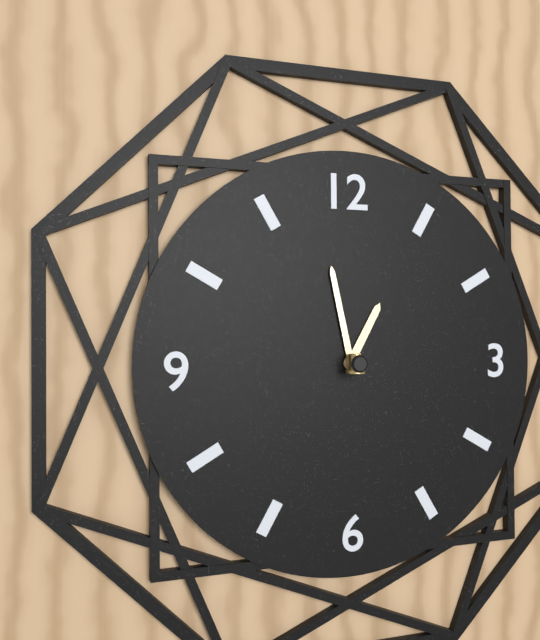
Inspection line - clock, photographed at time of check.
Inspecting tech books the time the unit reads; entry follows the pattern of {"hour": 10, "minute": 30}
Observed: {"hour": 12, "minute": 58}
